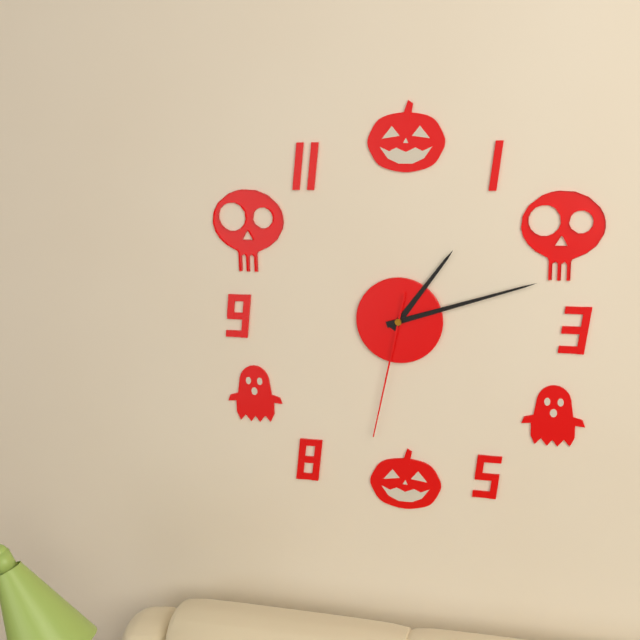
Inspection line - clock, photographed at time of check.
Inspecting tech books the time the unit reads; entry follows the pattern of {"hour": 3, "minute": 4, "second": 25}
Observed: {"hour": 1, "minute": 12, "second": 32}
